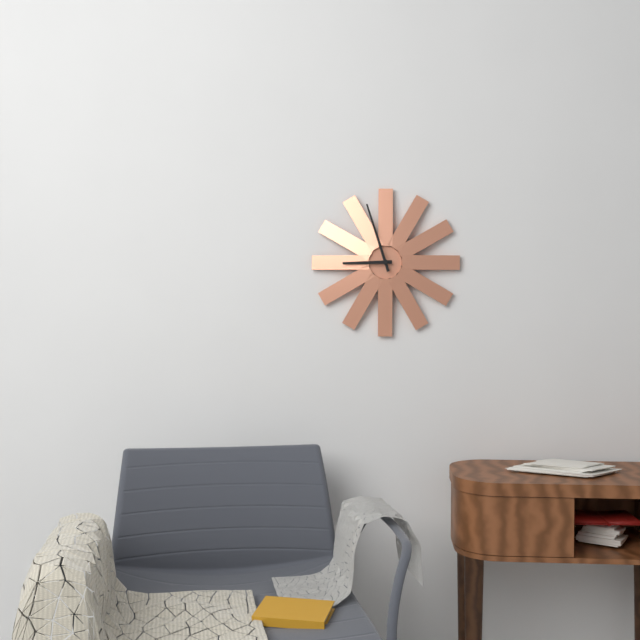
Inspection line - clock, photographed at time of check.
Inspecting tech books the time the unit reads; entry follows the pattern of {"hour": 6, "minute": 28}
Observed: {"hour": 8, "minute": 57}
